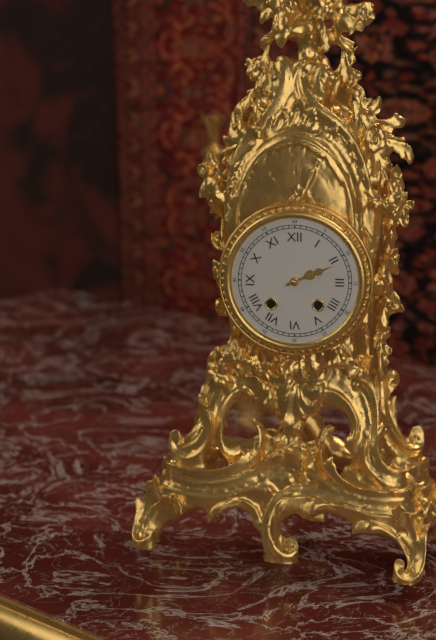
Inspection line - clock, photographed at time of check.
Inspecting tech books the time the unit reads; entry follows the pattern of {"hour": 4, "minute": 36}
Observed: {"hour": 2, "minute": 11}
